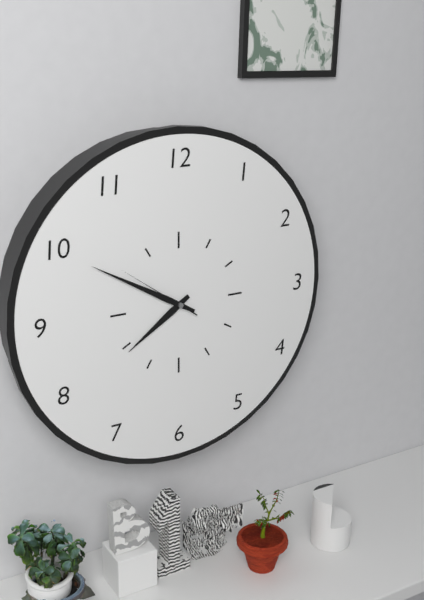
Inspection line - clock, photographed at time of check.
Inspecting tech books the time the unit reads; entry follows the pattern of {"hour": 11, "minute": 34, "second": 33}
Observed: {"hour": 7, "minute": 50, "second": 51}
